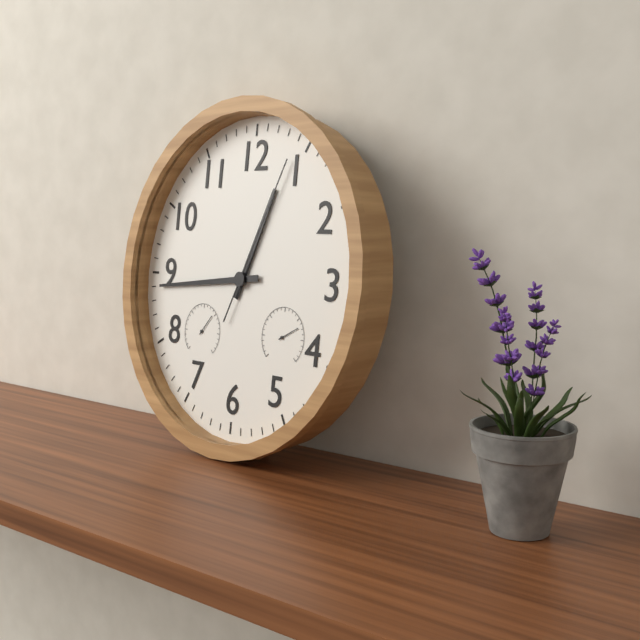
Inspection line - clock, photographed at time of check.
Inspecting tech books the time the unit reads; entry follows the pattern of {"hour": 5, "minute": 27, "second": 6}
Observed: {"hour": 12, "minute": 44, "second": 4}
